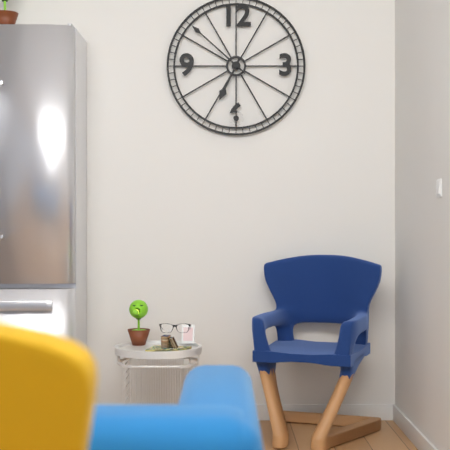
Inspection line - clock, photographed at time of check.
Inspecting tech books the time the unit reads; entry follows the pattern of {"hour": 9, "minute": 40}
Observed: {"hour": 6, "minute": 52}
